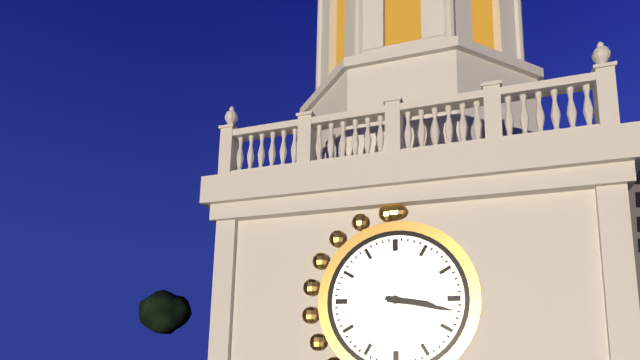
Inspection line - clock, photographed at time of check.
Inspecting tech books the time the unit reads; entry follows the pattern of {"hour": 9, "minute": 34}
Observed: {"hour": 3, "minute": 17}
